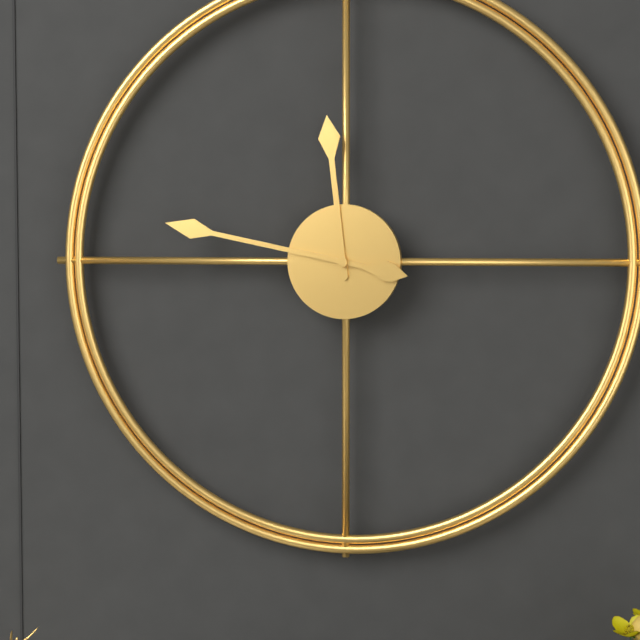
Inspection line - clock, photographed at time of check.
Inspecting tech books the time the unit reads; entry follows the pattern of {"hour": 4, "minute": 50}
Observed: {"hour": 11, "minute": 47}
